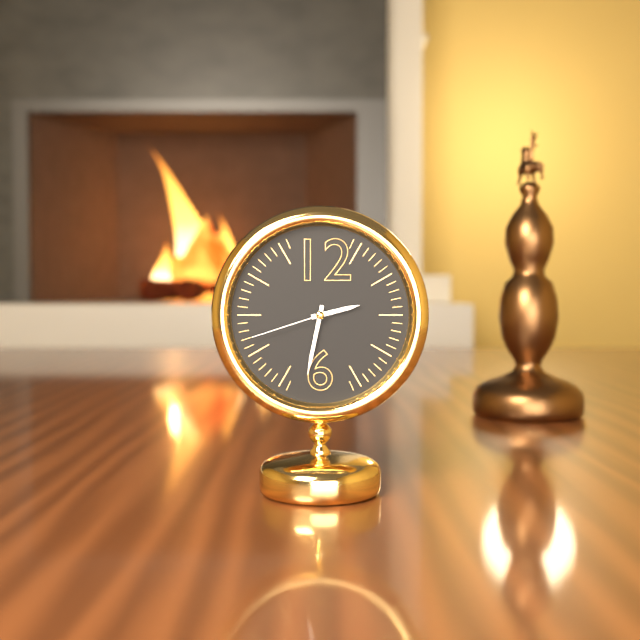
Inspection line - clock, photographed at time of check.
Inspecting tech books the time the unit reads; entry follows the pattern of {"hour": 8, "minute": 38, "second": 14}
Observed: {"hour": 2, "minute": 32, "second": 42}
